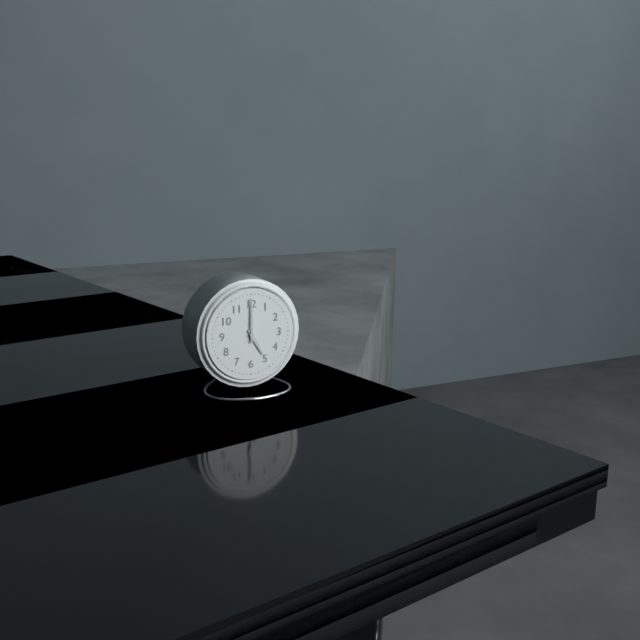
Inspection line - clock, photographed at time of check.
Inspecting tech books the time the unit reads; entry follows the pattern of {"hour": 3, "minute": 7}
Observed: {"hour": 5, "minute": 0}
